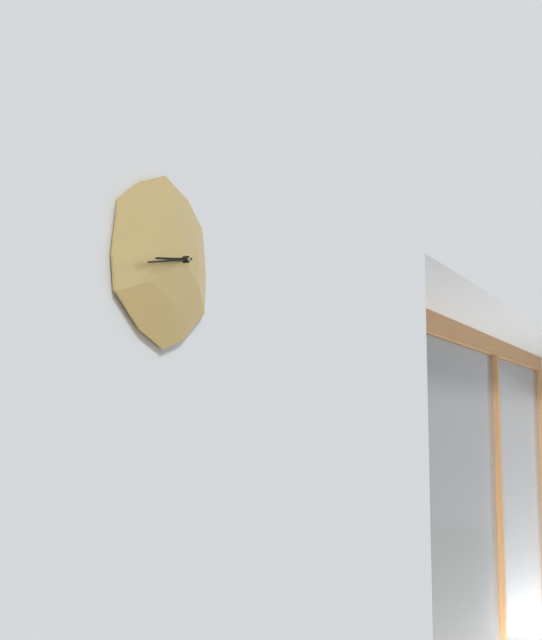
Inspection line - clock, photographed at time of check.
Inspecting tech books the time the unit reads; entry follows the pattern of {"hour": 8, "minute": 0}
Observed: {"hour": 8, "minute": 43}
